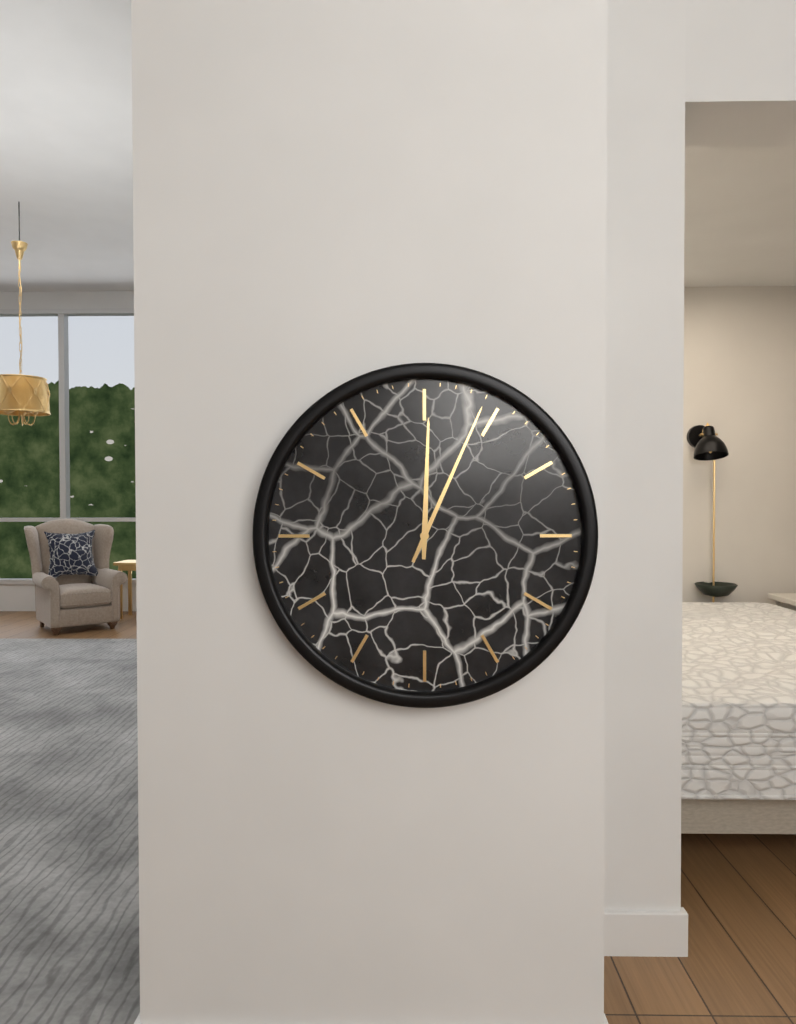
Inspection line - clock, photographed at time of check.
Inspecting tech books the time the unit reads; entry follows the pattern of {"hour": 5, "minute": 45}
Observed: {"hour": 12, "minute": 4}
